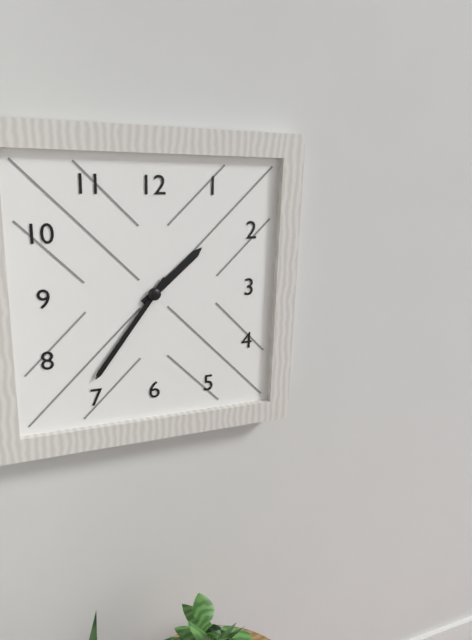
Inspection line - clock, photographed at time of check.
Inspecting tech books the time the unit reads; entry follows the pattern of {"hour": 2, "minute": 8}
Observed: {"hour": 1, "minute": 36}
